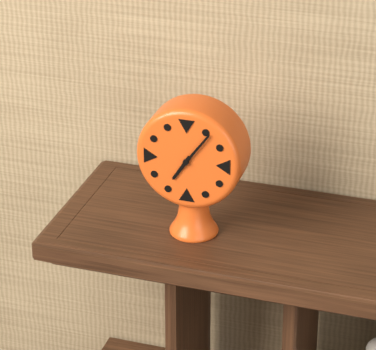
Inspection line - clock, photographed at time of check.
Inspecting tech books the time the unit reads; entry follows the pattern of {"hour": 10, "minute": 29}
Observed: {"hour": 7, "minute": 6}
